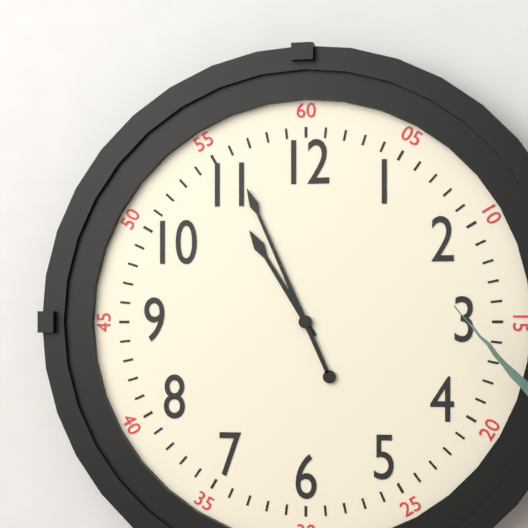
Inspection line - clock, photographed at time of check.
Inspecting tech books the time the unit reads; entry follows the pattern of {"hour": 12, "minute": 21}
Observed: {"hour": 10, "minute": 56}
